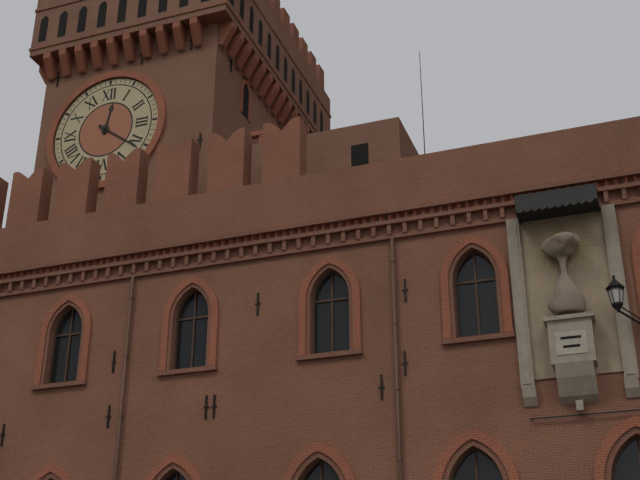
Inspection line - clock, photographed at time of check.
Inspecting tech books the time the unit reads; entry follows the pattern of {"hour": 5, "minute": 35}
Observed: {"hour": 12, "minute": 21}
